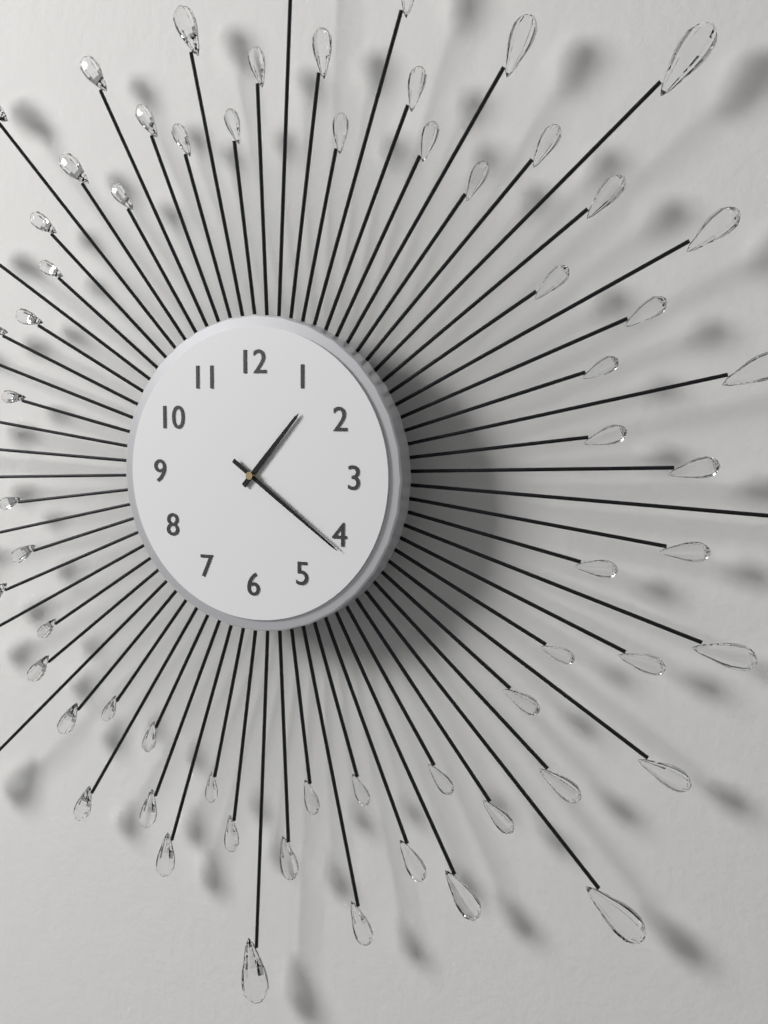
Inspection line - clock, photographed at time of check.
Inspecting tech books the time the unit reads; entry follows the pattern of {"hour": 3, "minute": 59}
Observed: {"hour": 1, "minute": 21}
